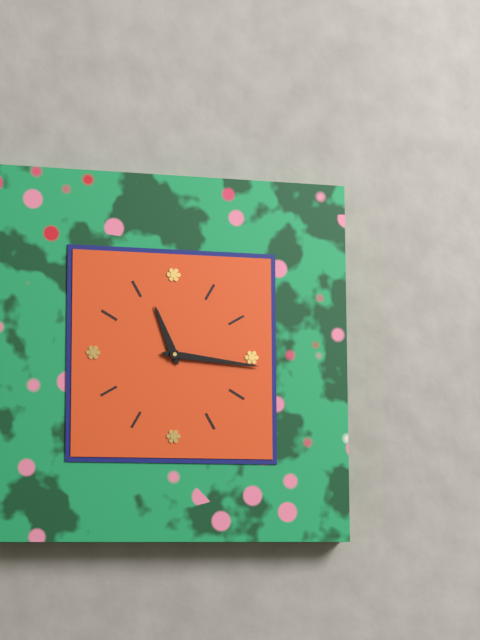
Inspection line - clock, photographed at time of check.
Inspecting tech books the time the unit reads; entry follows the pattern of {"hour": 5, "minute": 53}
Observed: {"hour": 11, "minute": 16}
